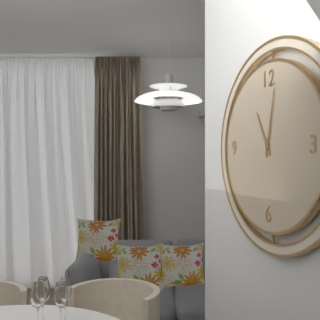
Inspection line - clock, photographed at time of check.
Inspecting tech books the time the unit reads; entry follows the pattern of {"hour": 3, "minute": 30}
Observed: {"hour": 11, "minute": 2}
